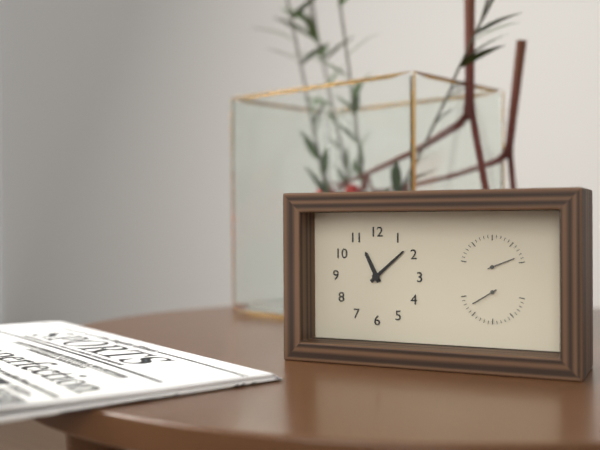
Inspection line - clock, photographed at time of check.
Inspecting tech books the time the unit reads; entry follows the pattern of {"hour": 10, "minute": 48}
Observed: {"hour": 11, "minute": 8}
